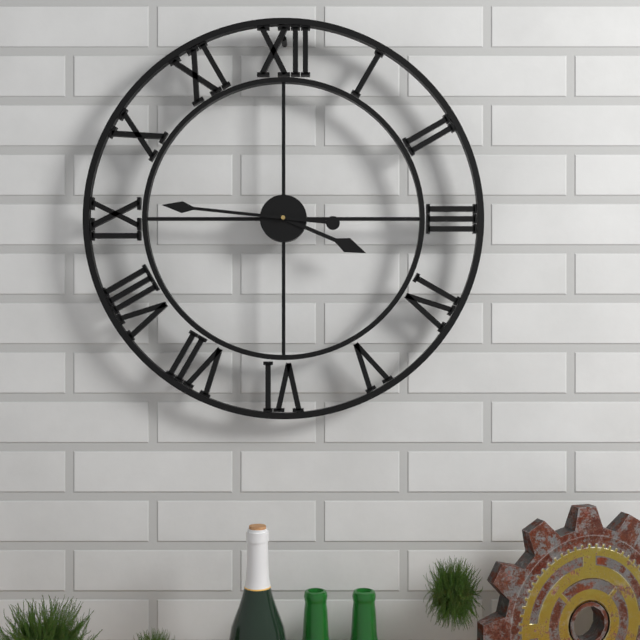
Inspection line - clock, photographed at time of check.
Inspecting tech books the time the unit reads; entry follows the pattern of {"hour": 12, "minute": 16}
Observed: {"hour": 3, "minute": 46}
